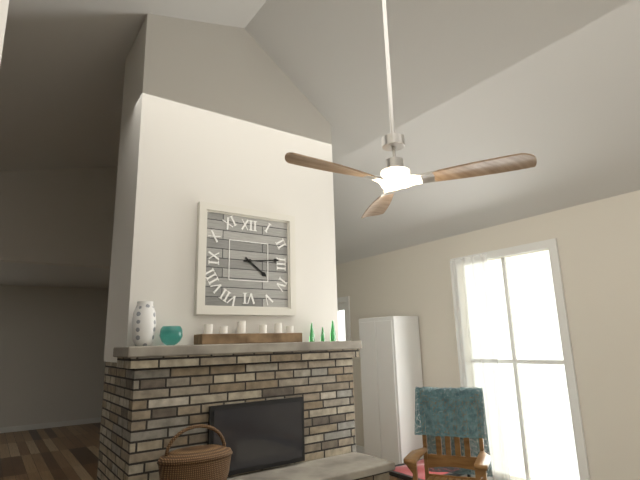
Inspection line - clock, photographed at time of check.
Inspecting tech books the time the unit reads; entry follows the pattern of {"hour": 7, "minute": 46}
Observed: {"hour": 4, "minute": 14}
